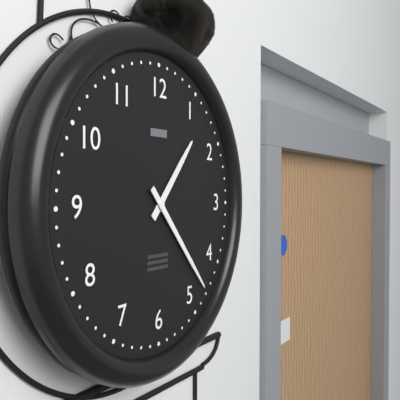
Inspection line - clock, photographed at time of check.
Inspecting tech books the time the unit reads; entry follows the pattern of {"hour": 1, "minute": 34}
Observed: {"hour": 1, "minute": 23}
